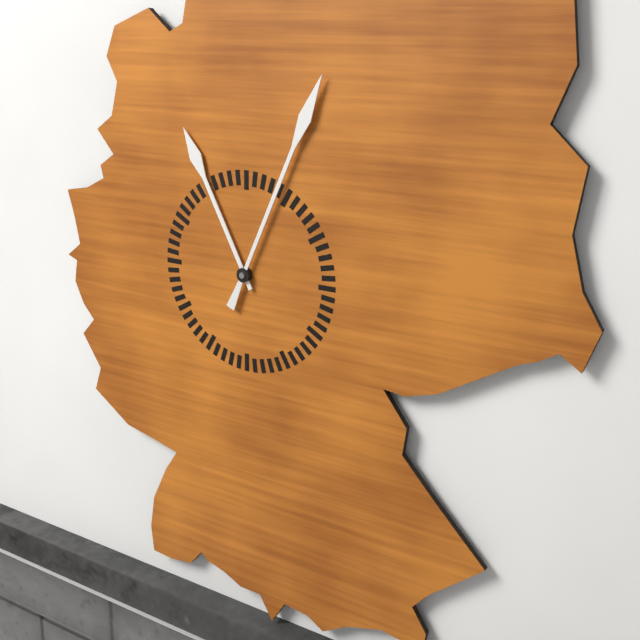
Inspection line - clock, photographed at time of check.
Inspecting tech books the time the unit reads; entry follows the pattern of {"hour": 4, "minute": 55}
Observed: {"hour": 11, "minute": 4}
